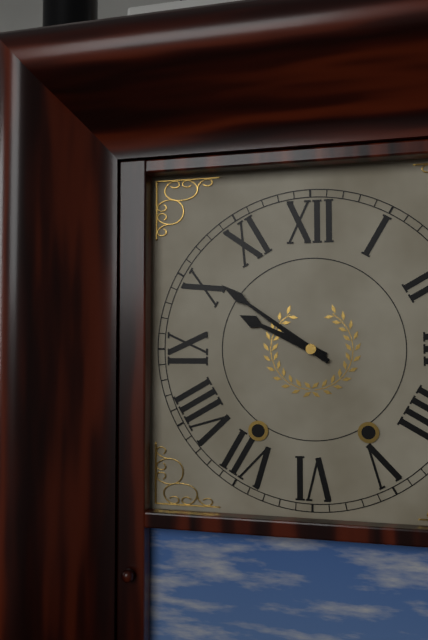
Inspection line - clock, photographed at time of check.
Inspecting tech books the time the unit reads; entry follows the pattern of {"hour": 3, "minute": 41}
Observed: {"hour": 9, "minute": 51}
